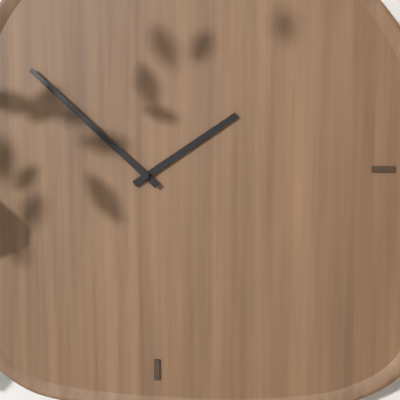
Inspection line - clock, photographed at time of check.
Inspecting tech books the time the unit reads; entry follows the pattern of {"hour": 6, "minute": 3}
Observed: {"hour": 1, "minute": 52}
